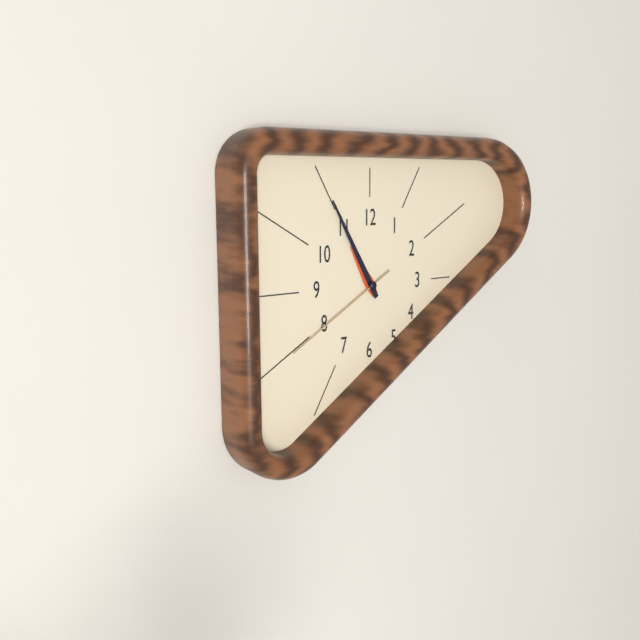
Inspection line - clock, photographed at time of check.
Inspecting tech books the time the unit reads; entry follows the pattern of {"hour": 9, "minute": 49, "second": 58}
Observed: {"hour": 10, "minute": 55, "second": 40}
